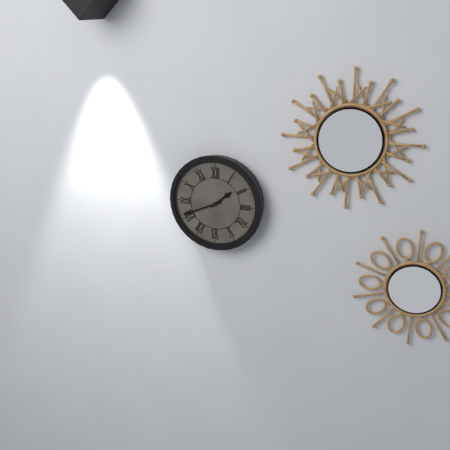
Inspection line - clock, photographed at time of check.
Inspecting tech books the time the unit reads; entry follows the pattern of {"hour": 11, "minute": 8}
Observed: {"hour": 1, "minute": 41}
